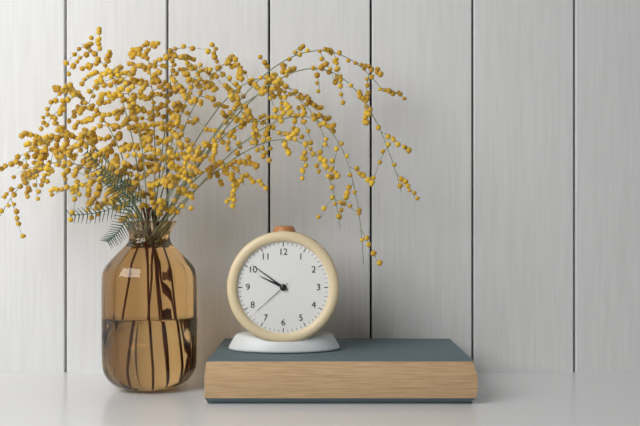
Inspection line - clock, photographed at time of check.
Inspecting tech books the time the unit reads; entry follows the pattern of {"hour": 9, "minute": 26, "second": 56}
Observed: {"hour": 9, "minute": 51, "second": 38}
